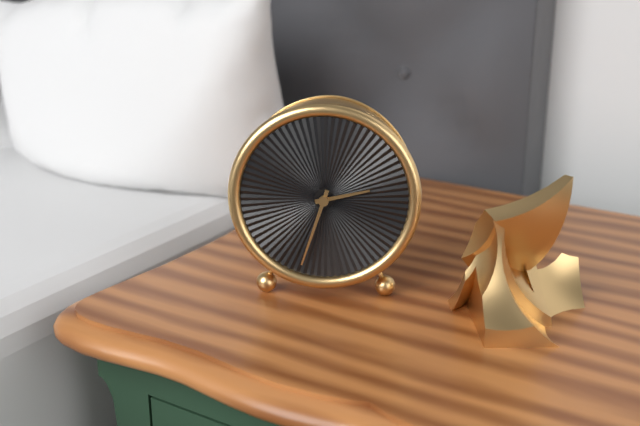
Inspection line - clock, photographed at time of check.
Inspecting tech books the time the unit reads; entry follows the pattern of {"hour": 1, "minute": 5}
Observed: {"hour": 2, "minute": 33}
